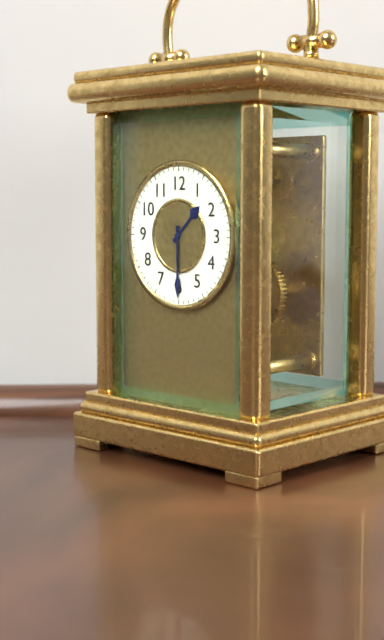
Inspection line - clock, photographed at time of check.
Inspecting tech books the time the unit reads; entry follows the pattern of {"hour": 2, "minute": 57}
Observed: {"hour": 1, "minute": 30}
